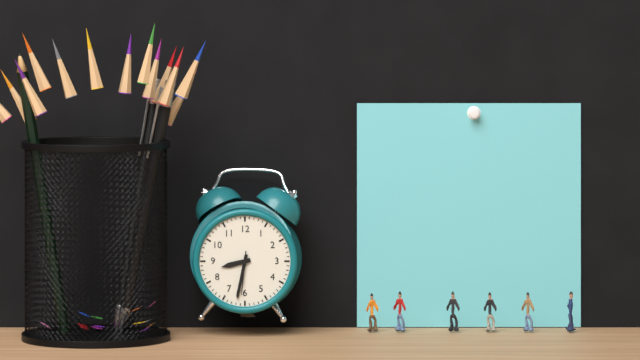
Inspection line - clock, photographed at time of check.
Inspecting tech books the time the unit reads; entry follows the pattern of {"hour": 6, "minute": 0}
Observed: {"hour": 8, "minute": 32}
